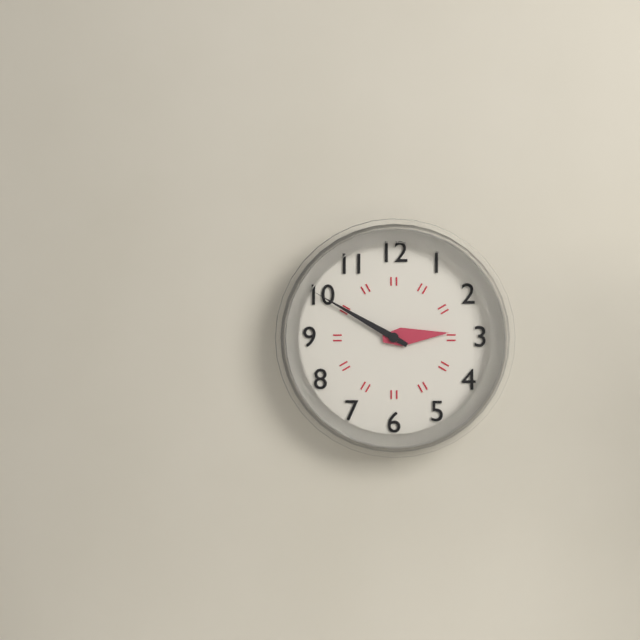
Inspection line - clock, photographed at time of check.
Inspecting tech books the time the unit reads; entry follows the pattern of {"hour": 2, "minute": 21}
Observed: {"hour": 2, "minute": 50}
